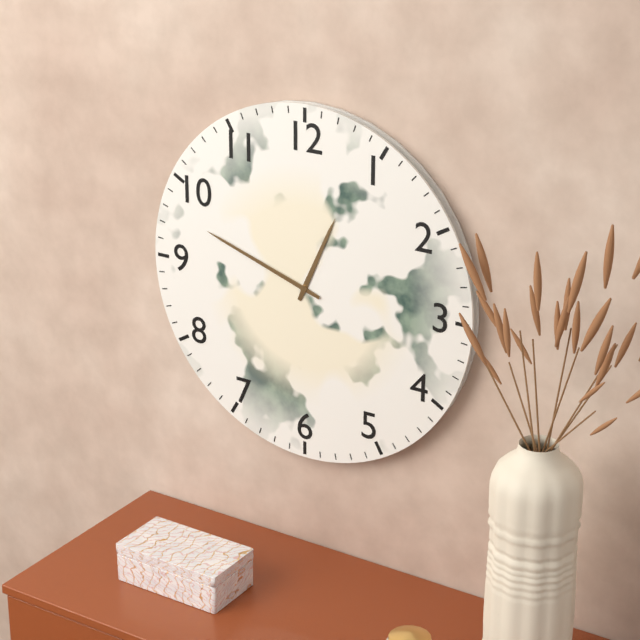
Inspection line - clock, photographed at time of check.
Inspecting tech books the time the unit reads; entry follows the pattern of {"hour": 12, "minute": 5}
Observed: {"hour": 12, "minute": 48}
